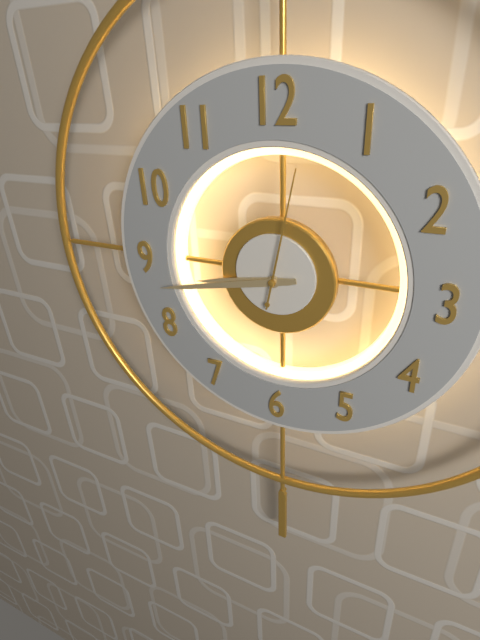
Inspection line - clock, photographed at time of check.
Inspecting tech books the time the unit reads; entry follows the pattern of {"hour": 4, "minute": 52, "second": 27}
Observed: {"hour": 8, "minute": 43, "second": 2}
